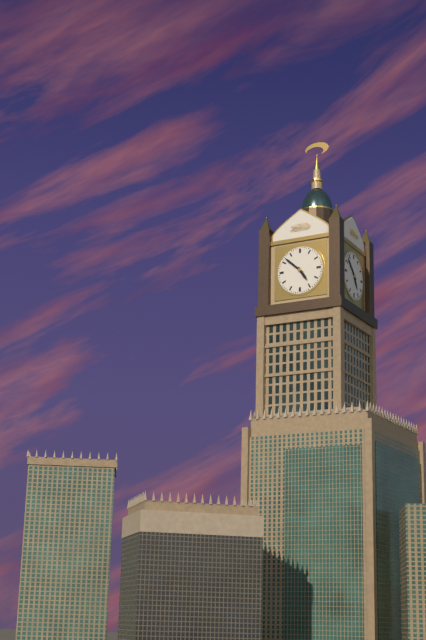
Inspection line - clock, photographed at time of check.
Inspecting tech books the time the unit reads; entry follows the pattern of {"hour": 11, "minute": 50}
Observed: {"hour": 4, "minute": 52}
